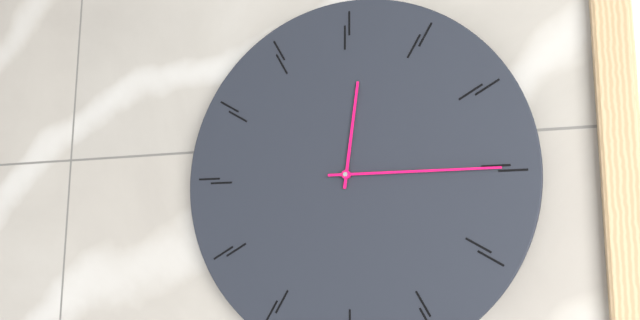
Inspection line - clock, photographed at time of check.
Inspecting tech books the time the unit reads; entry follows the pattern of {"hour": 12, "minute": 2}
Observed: {"hour": 12, "minute": 15}
